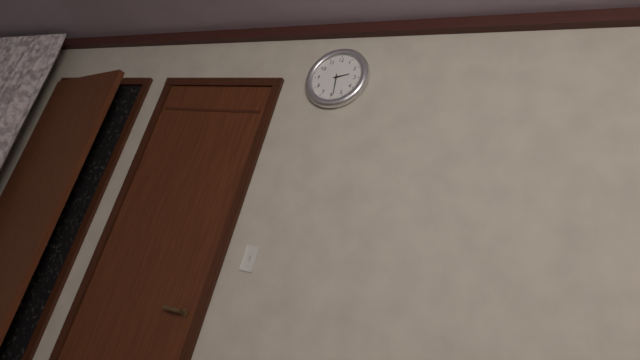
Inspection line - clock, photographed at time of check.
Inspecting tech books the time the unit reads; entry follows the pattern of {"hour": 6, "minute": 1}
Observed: {"hour": 2, "minute": 29}
